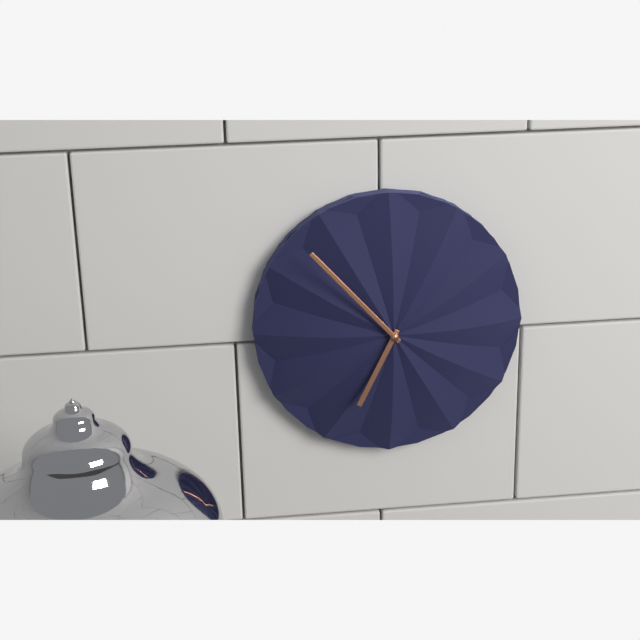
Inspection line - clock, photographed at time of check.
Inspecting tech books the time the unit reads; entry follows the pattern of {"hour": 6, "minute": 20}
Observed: {"hour": 6, "minute": 53}
